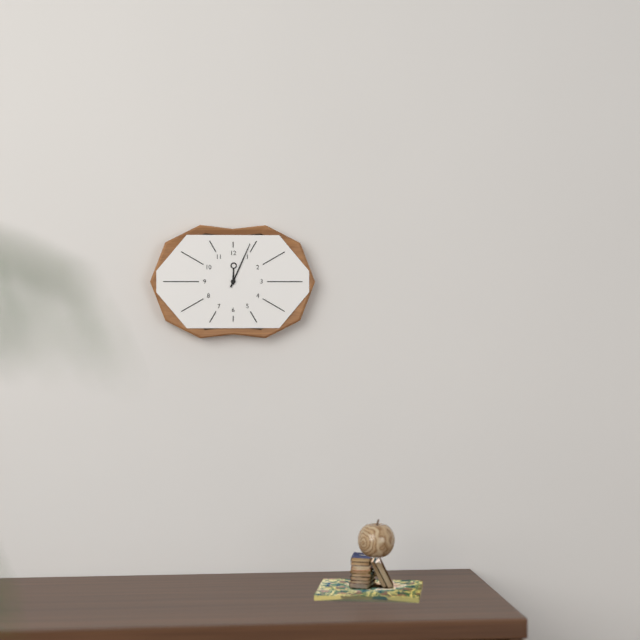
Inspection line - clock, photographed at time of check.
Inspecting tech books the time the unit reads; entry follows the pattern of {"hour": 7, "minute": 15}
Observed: {"hour": 12, "minute": 4}
